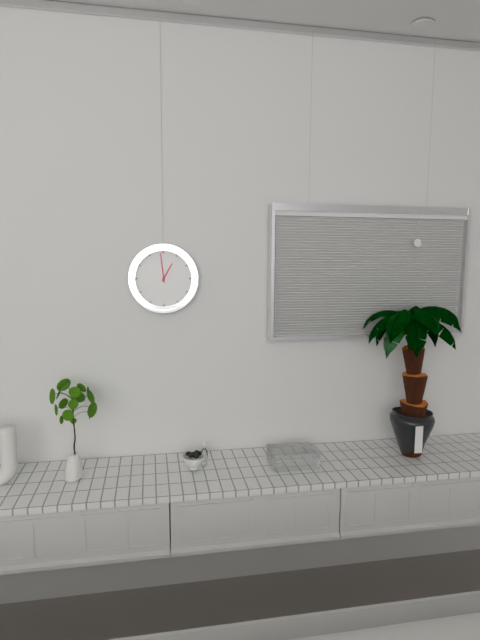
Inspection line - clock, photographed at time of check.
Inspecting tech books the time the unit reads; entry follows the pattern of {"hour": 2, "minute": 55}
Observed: {"hour": 12, "minute": 59}
